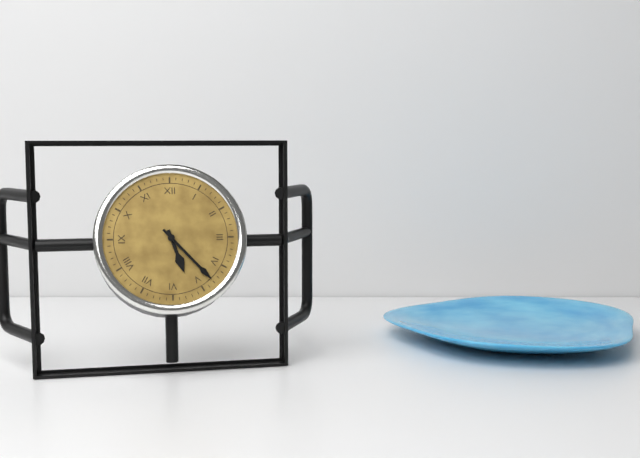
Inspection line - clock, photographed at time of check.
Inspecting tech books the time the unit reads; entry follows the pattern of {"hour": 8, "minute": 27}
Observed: {"hour": 5, "minute": 23}
